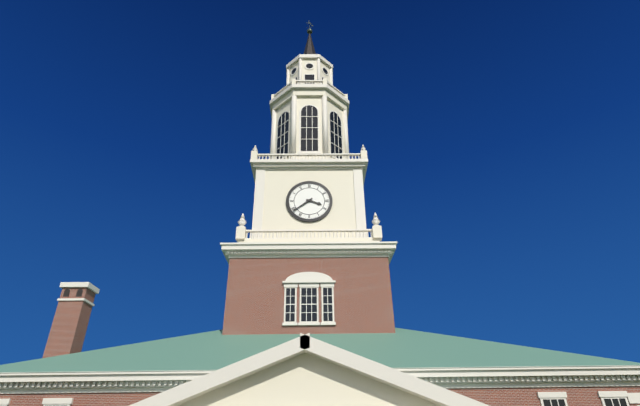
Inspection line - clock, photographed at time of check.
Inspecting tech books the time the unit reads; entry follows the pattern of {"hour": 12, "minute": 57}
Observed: {"hour": 3, "minute": 39}
